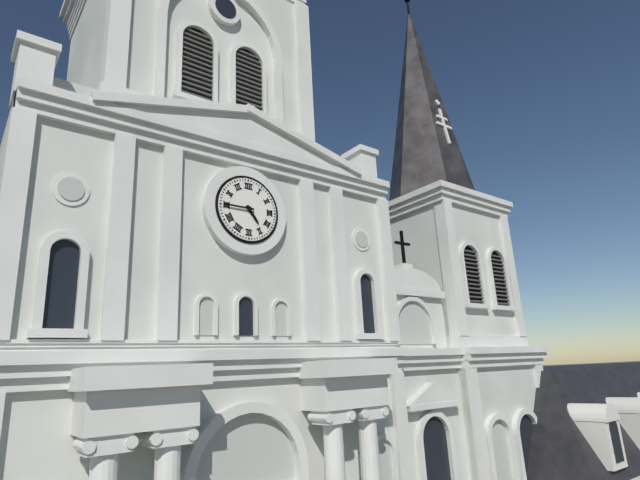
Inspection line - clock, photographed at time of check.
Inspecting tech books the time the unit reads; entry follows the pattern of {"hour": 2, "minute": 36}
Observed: {"hour": 4, "minute": 45}
